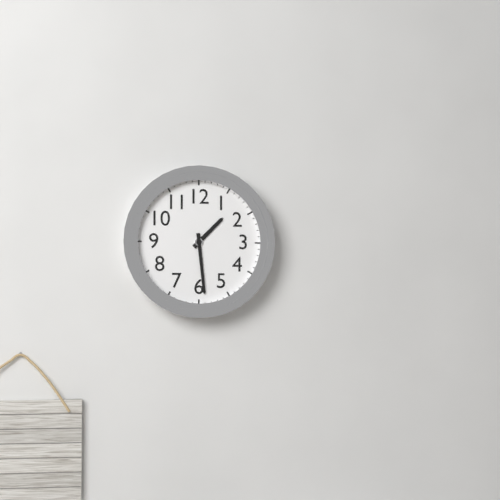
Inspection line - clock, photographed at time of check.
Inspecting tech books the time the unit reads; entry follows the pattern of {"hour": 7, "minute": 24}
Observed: {"hour": 1, "minute": 29}
